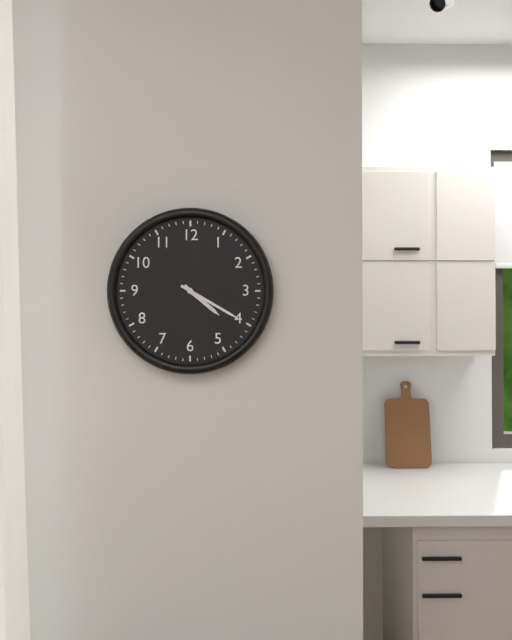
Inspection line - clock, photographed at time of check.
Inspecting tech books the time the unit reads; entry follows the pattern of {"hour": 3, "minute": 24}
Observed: {"hour": 4, "minute": 20}
